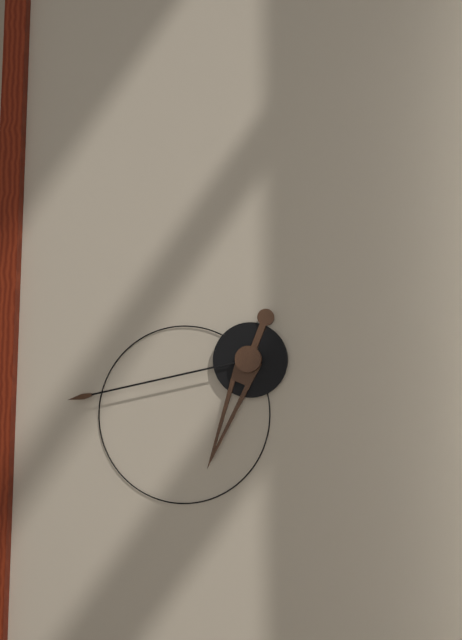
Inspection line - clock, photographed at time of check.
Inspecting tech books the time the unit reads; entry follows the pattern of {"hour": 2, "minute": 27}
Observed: {"hour": 6, "minute": 43}
